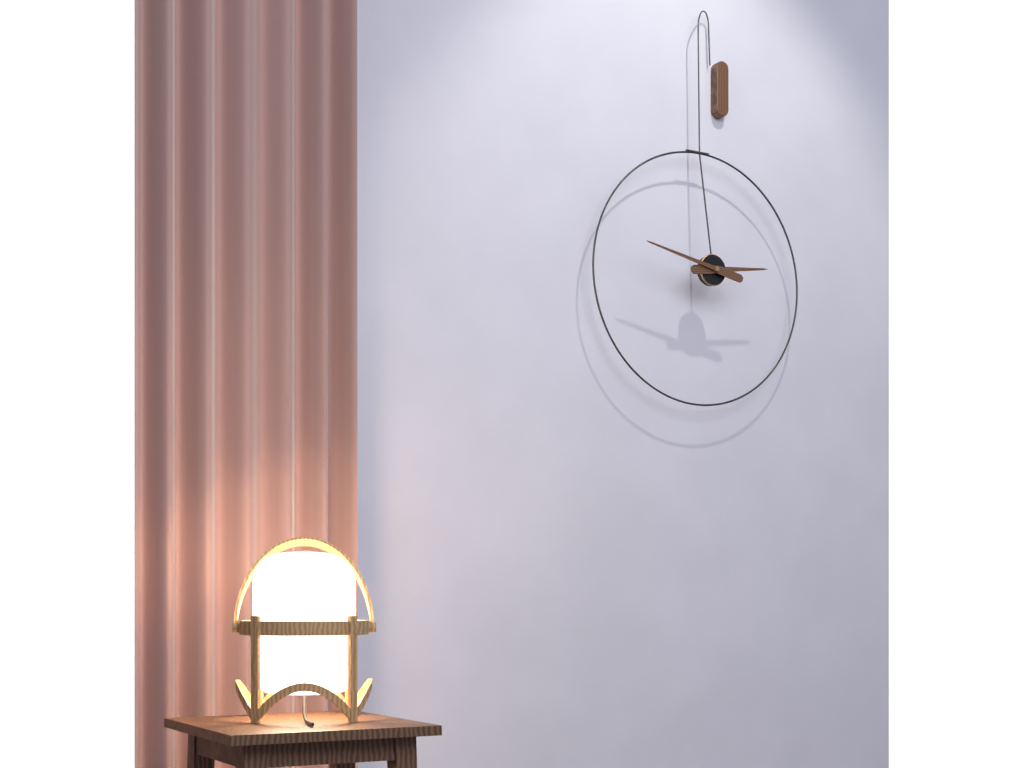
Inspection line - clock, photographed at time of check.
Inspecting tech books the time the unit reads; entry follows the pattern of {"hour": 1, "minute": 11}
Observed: {"hour": 2, "minute": 47}
